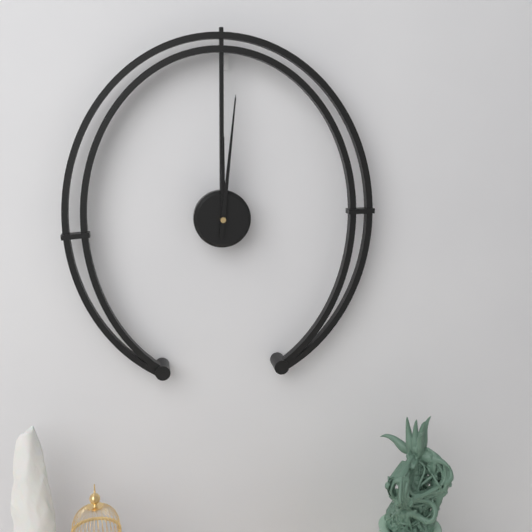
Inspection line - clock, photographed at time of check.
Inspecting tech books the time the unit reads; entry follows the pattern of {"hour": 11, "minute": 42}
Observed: {"hour": 12, "minute": 1}
